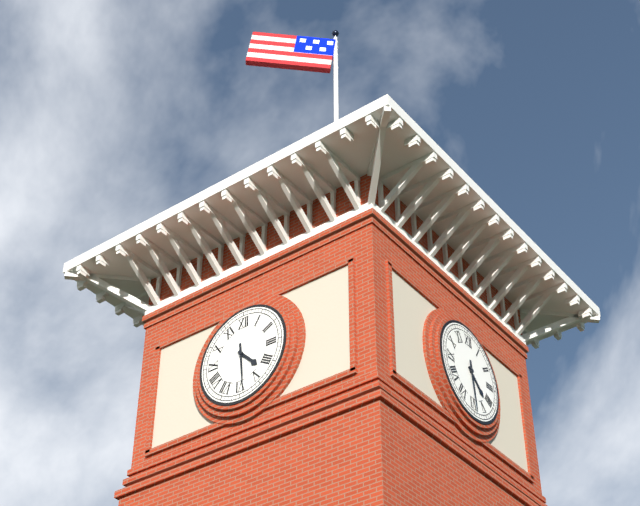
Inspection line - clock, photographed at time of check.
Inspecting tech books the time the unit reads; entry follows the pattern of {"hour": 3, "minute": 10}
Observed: {"hour": 4, "minute": 29}
